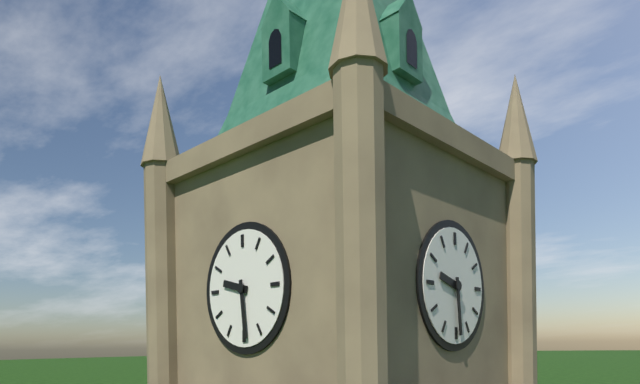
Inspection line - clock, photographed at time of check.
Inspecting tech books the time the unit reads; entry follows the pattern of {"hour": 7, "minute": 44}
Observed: {"hour": 9, "minute": 29}
